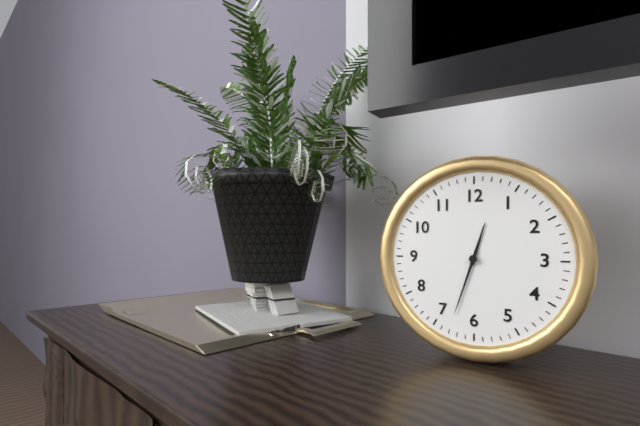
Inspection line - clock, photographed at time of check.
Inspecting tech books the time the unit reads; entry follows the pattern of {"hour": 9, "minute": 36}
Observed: {"hour": 12, "minute": 33}
